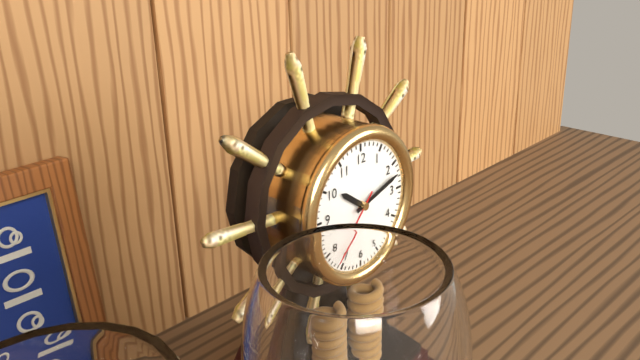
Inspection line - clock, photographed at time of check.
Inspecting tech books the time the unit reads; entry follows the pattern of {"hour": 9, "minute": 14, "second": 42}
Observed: {"hour": 10, "minute": 12, "second": 37}
